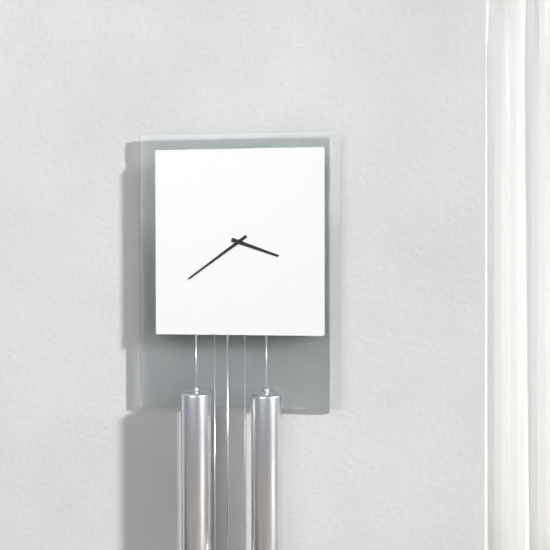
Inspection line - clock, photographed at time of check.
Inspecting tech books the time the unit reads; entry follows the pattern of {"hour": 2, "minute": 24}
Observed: {"hour": 3, "minute": 39}
